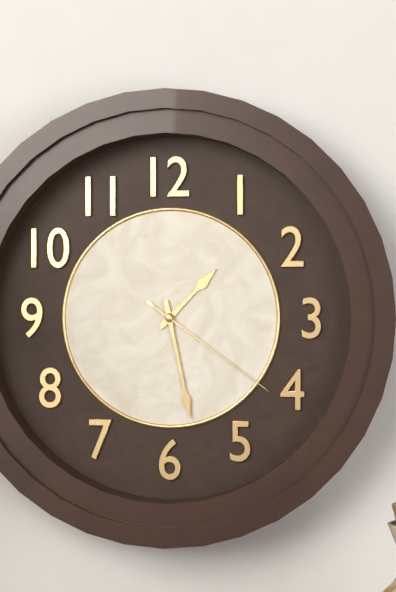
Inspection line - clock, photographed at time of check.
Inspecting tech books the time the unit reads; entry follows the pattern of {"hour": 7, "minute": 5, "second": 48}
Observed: {"hour": 1, "minute": 28, "second": 21}
